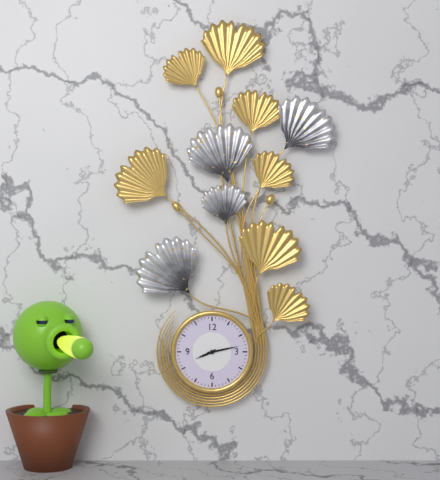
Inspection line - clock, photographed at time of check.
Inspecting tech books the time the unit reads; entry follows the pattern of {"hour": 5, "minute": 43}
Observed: {"hour": 8, "minute": 13}
